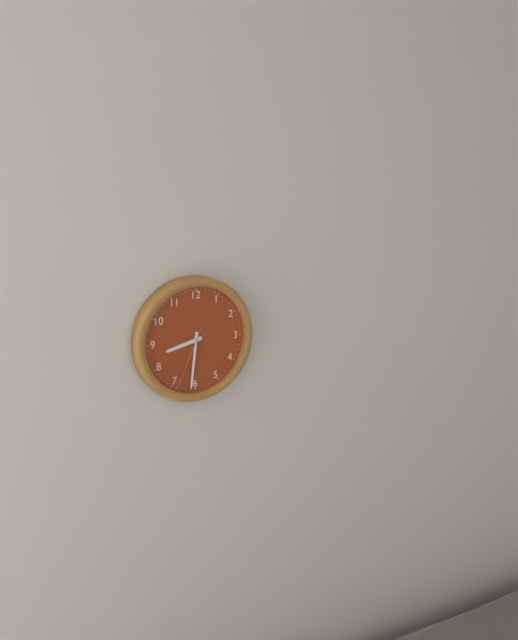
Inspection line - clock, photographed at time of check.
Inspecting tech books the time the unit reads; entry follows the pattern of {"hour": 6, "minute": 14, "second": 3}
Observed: {"hour": 8, "minute": 31, "second": 34}
